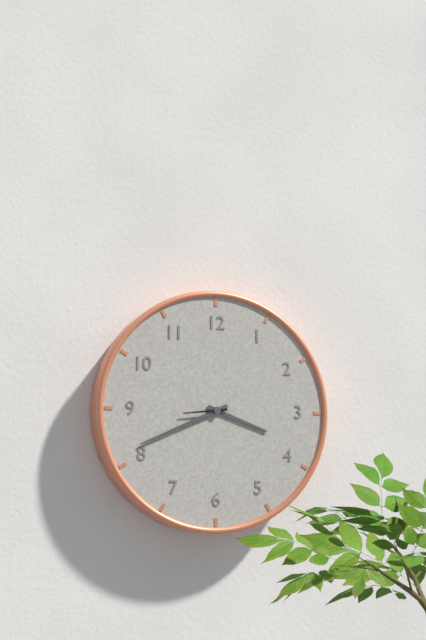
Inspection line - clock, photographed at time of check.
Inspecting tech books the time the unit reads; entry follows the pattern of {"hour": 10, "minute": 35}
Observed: {"hour": 3, "minute": 41}
